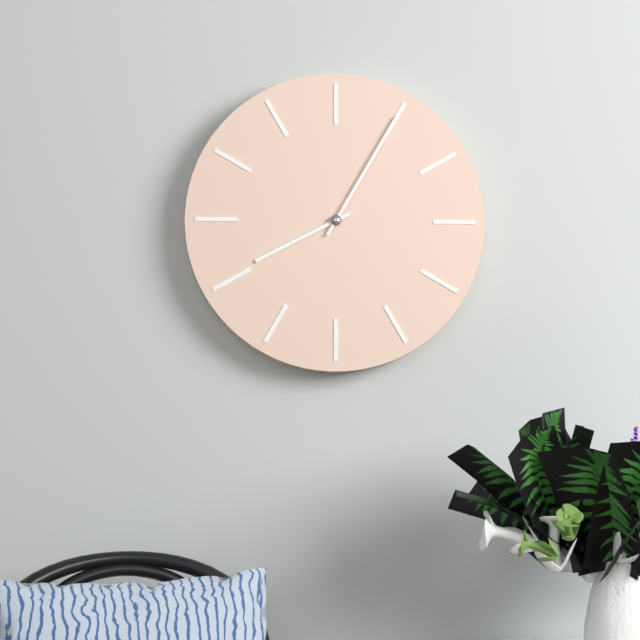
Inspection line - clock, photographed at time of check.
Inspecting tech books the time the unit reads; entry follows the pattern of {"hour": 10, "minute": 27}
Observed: {"hour": 8, "minute": 5}
